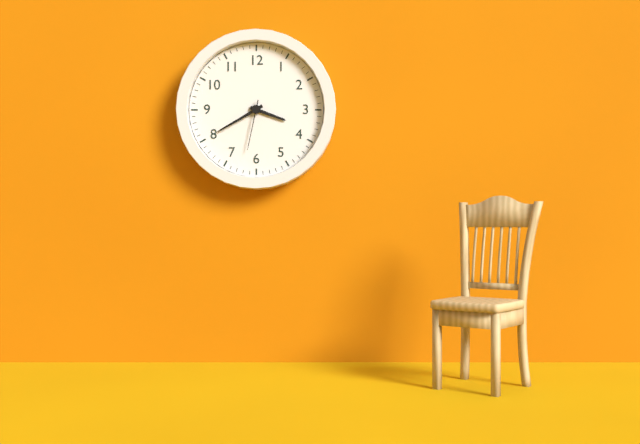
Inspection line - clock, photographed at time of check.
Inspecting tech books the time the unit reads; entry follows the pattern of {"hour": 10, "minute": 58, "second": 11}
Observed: {"hour": 3, "minute": 40, "second": 32}
